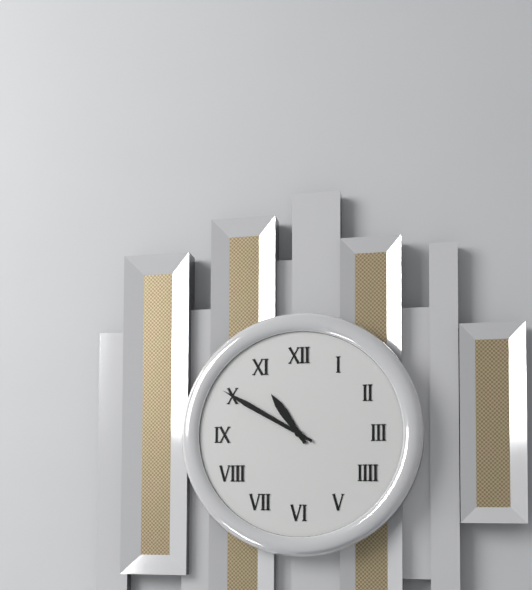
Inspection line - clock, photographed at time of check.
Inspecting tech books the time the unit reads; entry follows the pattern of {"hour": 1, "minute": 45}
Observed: {"hour": 10, "minute": 50}
